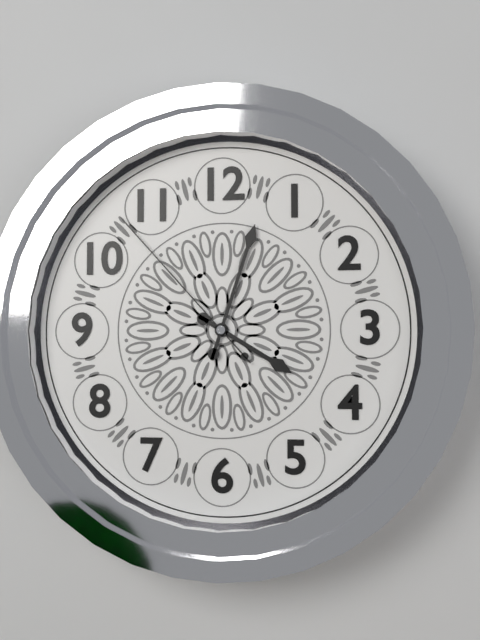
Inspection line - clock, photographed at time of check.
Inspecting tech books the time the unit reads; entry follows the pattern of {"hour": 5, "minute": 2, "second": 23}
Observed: {"hour": 4, "minute": 3, "second": 53}
